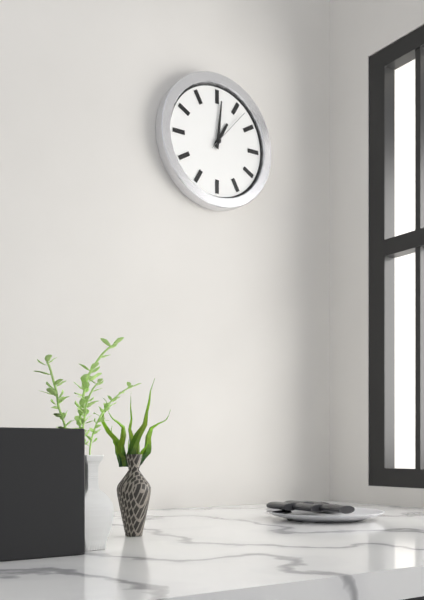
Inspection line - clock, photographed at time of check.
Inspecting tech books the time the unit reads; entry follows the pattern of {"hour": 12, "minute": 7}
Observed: {"hour": 1, "minute": 1}
